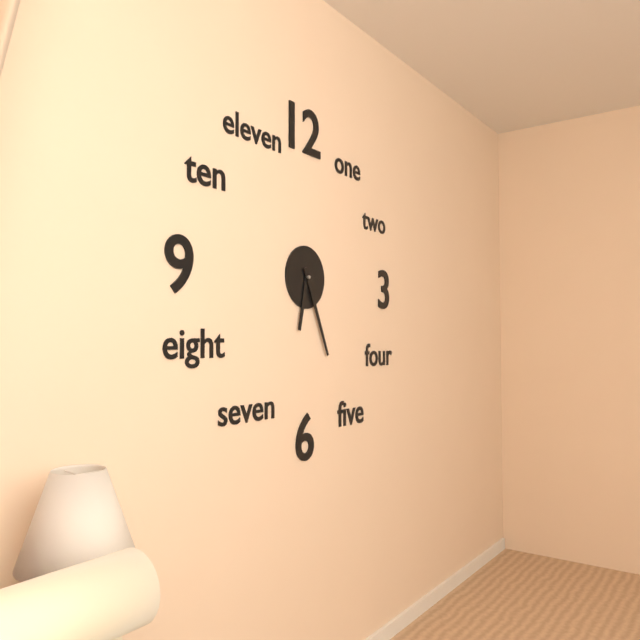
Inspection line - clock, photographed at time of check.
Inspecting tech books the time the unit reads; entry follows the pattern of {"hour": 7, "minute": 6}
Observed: {"hour": 6, "minute": 26}
